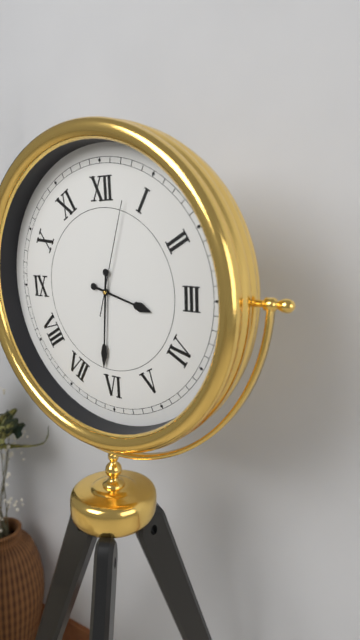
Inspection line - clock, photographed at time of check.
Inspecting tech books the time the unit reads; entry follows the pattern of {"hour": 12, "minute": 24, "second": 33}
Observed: {"hour": 3, "minute": 31, "second": 3}
